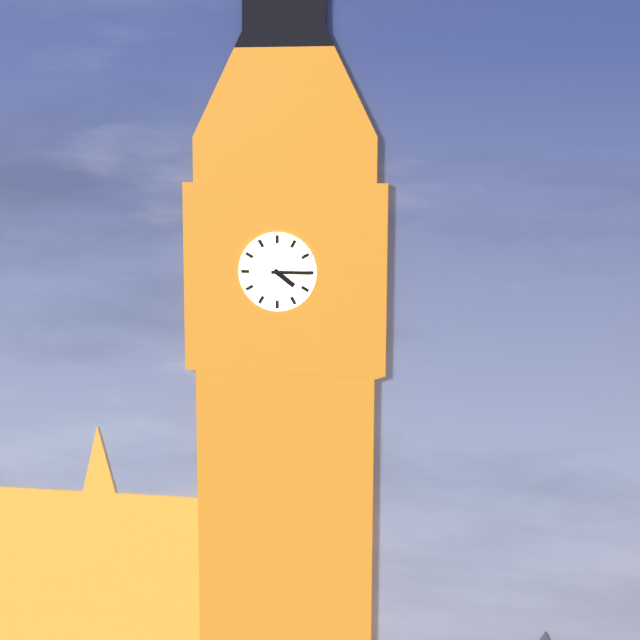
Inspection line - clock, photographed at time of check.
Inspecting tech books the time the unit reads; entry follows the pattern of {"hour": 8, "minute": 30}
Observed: {"hour": 4, "minute": 15}
